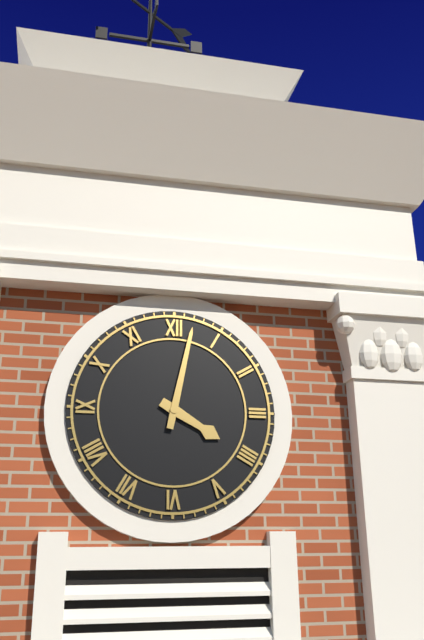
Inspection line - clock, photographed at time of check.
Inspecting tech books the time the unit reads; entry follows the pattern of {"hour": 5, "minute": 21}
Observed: {"hour": 4, "minute": 2}
